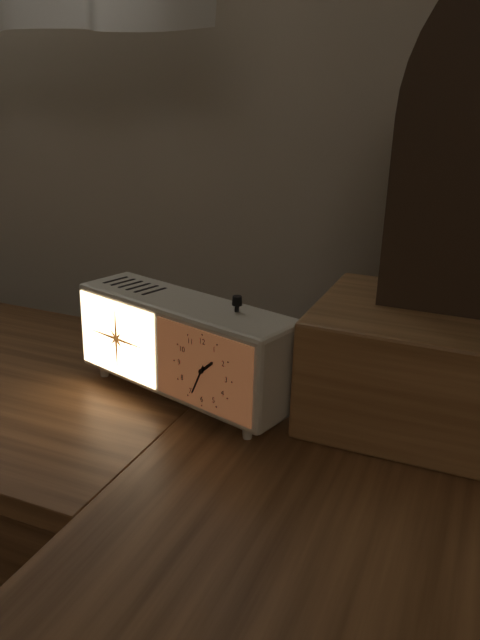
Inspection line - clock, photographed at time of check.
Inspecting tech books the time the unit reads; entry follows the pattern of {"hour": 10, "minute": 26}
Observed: {"hour": 1, "minute": 34}
